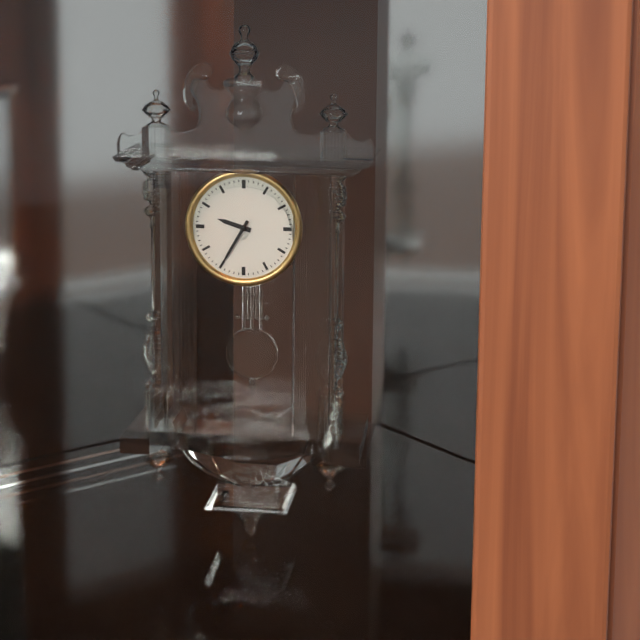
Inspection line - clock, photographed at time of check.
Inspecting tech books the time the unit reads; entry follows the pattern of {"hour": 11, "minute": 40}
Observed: {"hour": 9, "minute": 35}
